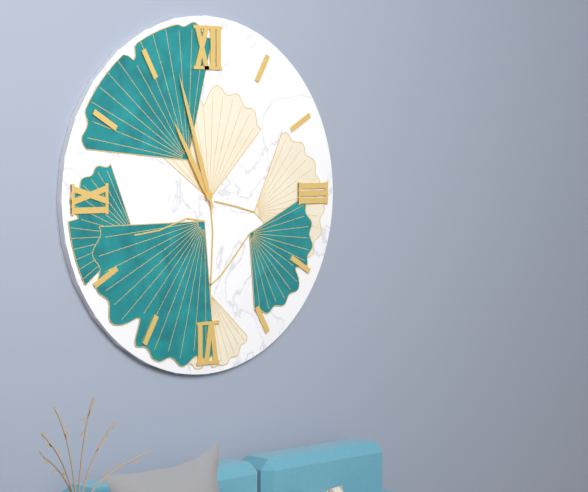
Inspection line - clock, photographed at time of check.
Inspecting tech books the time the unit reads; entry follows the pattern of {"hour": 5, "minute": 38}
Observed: {"hour": 10, "minute": 57}
